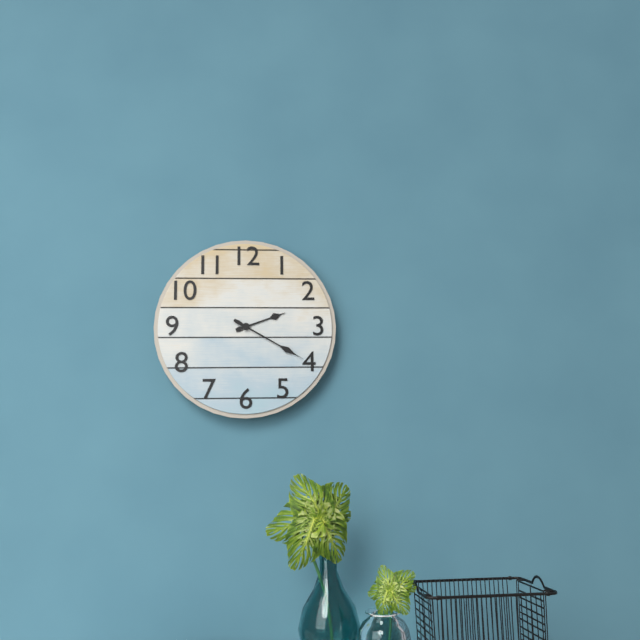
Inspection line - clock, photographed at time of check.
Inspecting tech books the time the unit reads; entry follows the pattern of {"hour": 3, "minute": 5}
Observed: {"hour": 2, "minute": 20}
